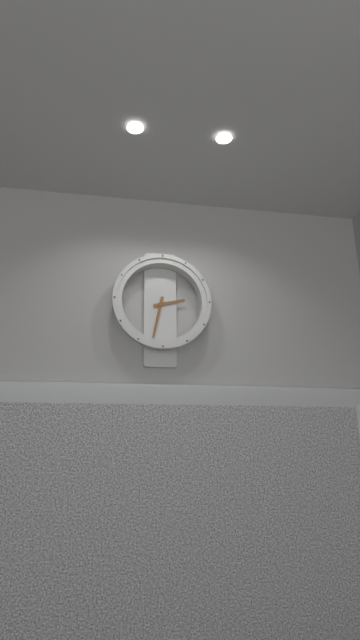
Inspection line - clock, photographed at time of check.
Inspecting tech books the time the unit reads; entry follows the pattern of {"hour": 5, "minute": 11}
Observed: {"hour": 2, "minute": 32}
